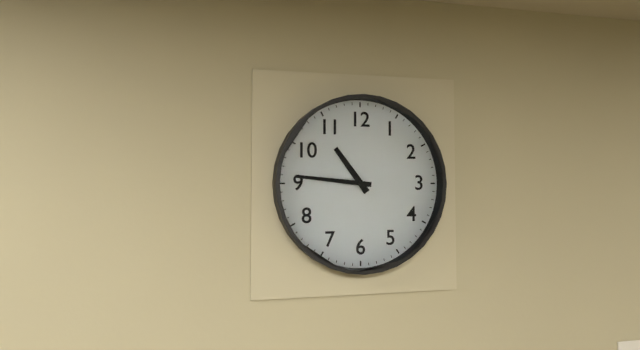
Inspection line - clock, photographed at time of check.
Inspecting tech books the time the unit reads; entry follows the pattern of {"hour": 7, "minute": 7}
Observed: {"hour": 10, "minute": 46}
